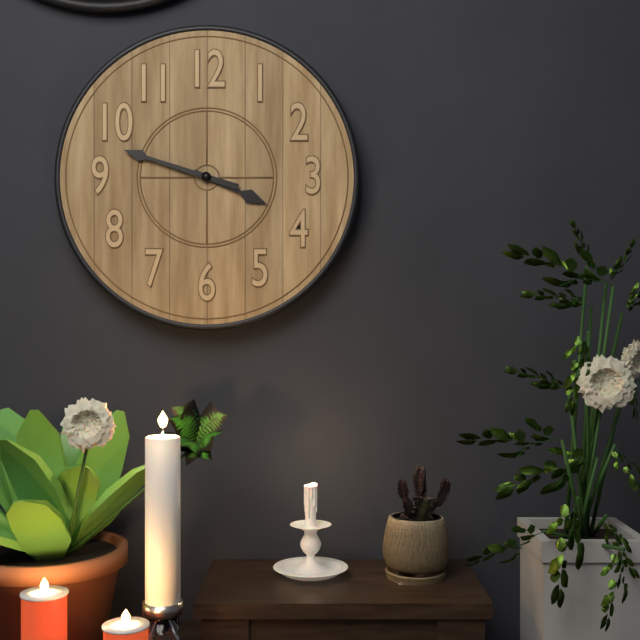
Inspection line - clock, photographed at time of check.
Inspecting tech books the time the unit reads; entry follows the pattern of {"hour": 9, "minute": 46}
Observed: {"hour": 3, "minute": 48}
